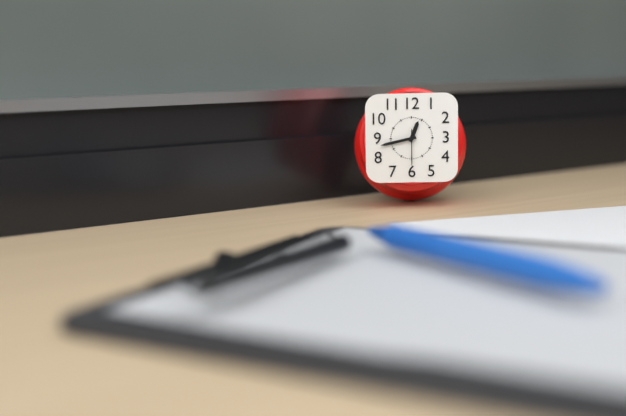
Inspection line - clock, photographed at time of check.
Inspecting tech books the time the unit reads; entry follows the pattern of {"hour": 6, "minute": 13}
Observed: {"hour": 12, "minute": 43}
